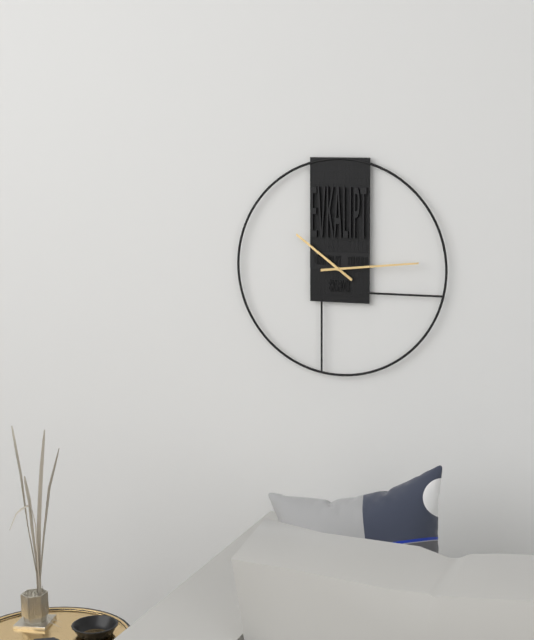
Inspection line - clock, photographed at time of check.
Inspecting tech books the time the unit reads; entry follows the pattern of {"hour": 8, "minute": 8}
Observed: {"hour": 10, "minute": 14}
